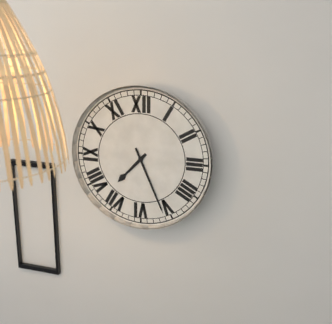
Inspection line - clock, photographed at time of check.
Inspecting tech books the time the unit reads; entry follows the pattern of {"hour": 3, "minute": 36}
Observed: {"hour": 7, "minute": 26}
